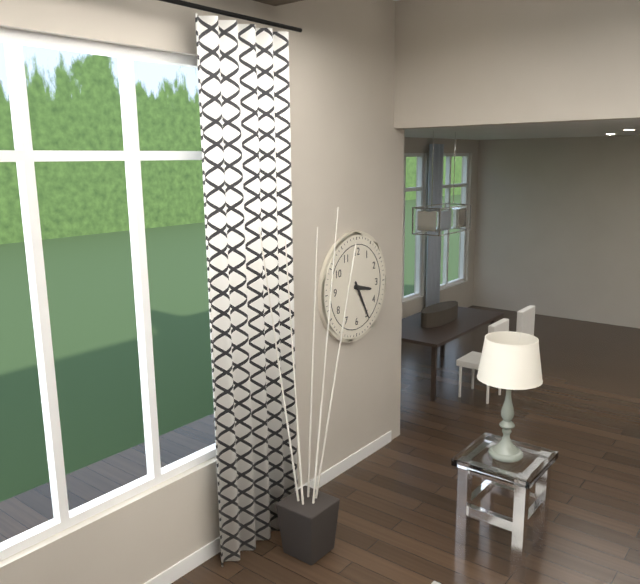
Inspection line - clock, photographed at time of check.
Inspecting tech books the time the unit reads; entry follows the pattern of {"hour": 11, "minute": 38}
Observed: {"hour": 3, "minute": 25}
